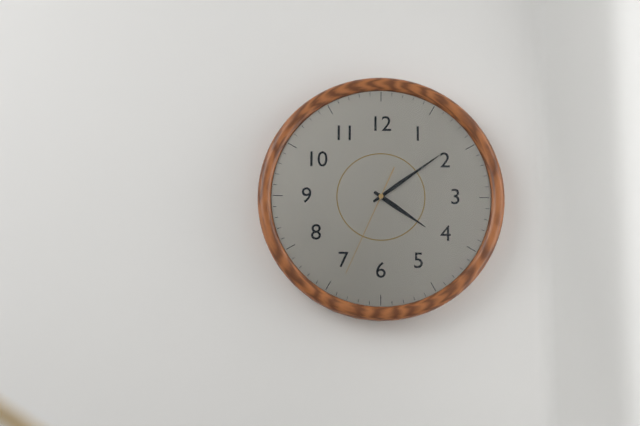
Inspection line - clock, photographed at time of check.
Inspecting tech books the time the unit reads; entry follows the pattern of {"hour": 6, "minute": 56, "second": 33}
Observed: {"hour": 4, "minute": 9, "second": 34}
